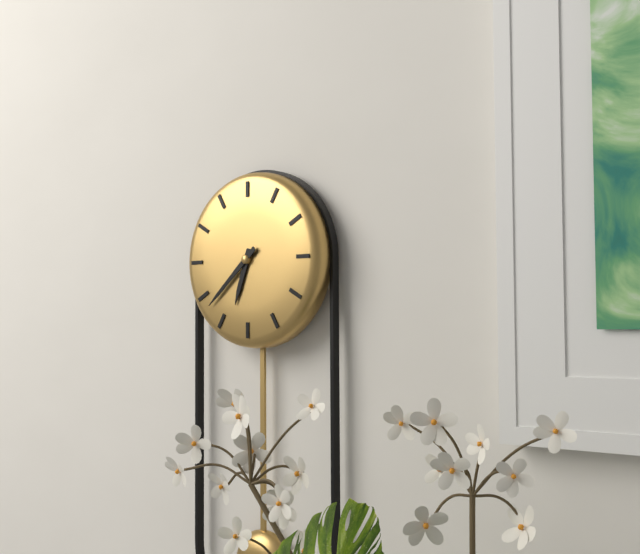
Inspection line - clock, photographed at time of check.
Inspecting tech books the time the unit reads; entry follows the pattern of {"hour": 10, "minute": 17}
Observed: {"hour": 6, "minute": 38}
